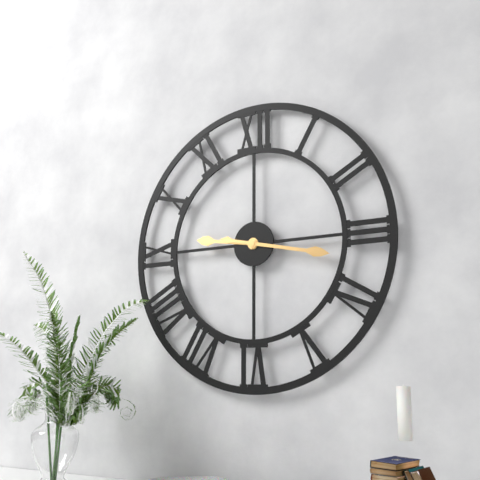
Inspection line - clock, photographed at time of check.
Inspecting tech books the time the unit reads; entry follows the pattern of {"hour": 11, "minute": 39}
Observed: {"hour": 9, "minute": 17}
